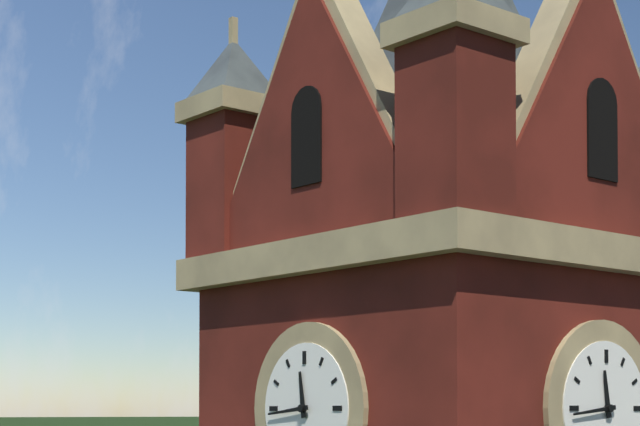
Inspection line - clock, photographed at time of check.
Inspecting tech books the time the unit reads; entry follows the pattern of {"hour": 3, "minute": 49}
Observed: {"hour": 11, "minute": 44}
